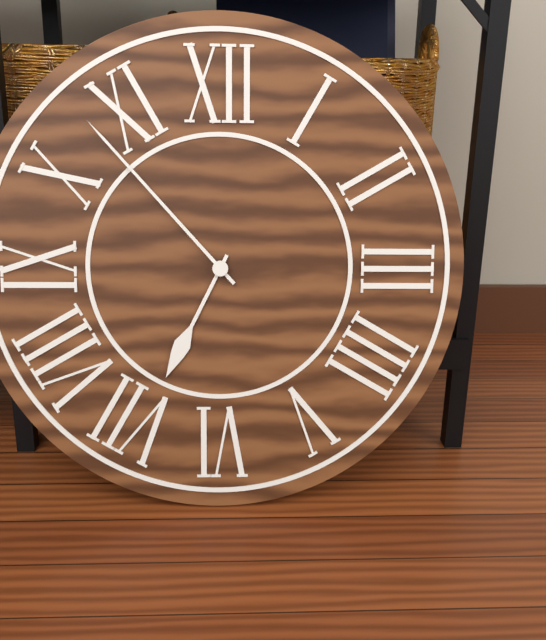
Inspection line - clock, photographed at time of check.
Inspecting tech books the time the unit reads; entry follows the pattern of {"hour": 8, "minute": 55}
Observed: {"hour": 6, "minute": 53}
